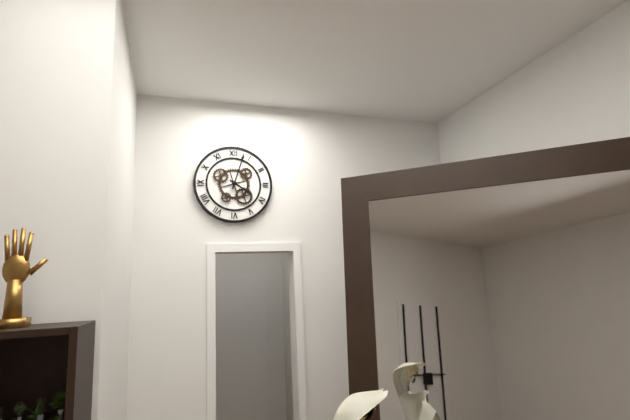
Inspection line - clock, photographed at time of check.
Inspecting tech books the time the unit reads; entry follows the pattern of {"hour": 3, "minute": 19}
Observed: {"hour": 4, "minute": 3}
